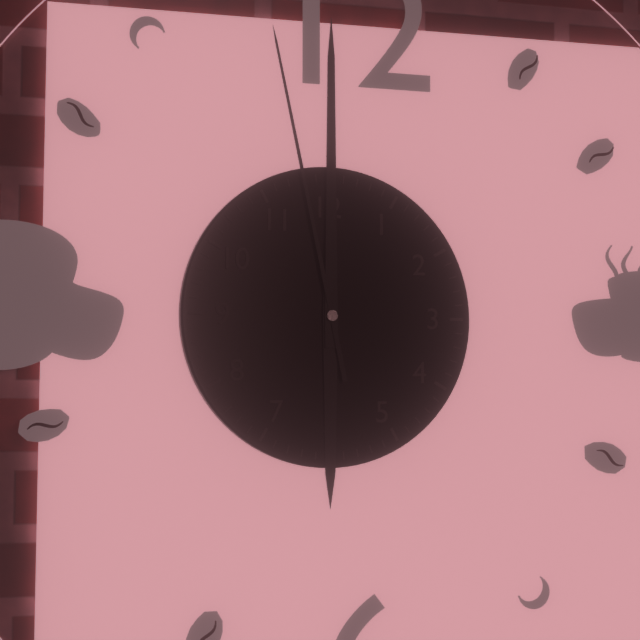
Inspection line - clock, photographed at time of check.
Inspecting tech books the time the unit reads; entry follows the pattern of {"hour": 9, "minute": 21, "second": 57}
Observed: {"hour": 6, "minute": 0, "second": 58}
